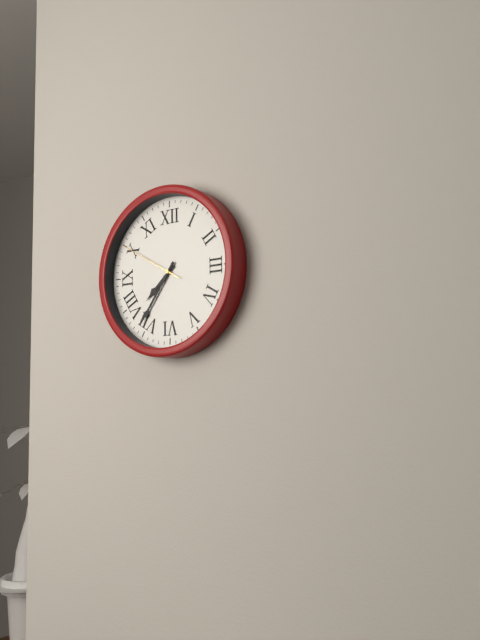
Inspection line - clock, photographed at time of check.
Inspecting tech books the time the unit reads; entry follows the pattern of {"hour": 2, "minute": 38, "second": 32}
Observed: {"hour": 7, "minute": 36, "second": 50}
